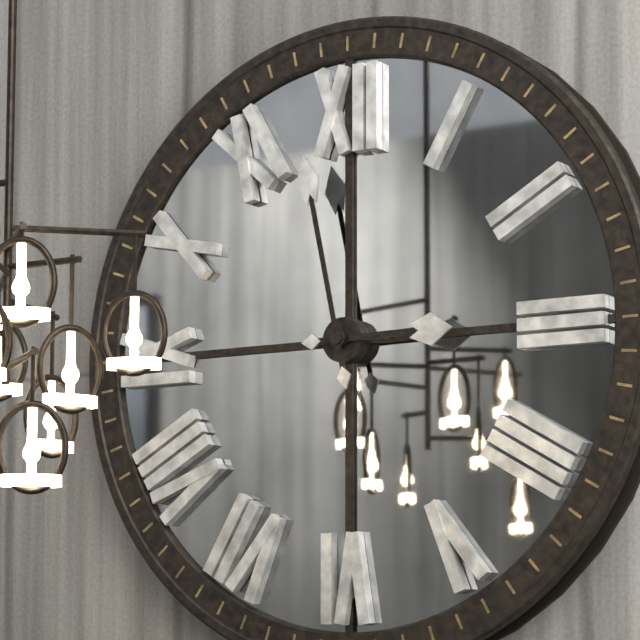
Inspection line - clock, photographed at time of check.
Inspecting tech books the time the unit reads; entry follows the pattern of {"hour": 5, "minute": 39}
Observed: {"hour": 2, "minute": 58}
